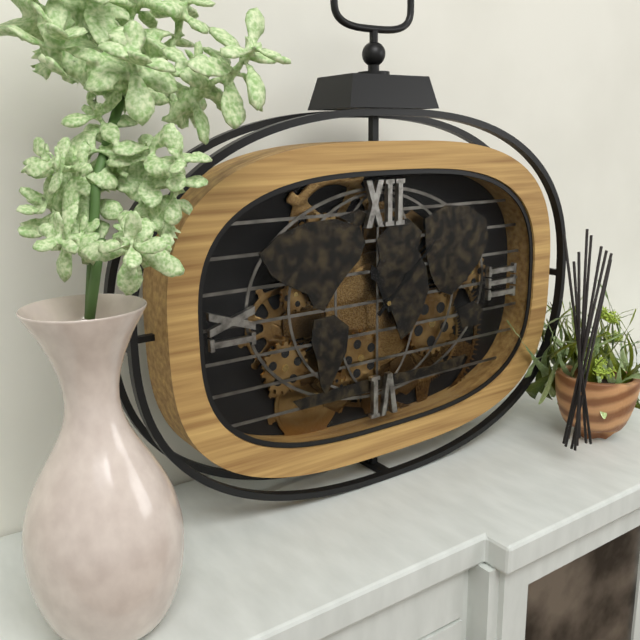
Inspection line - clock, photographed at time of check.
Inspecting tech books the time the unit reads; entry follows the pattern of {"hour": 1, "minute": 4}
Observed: {"hour": 11, "minute": 8}
